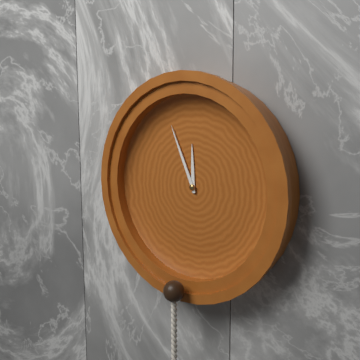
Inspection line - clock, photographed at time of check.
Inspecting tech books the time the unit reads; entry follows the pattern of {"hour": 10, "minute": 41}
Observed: {"hour": 11, "minute": 56}
